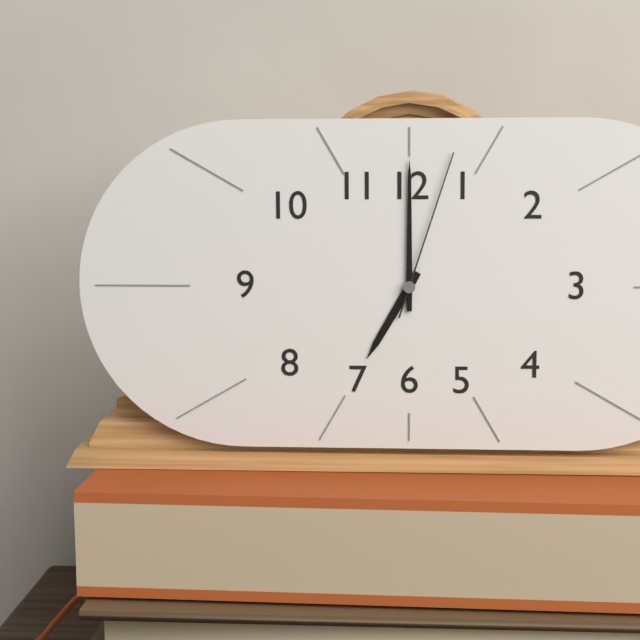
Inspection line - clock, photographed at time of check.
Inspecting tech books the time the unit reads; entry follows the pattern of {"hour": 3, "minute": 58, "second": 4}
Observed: {"hour": 7, "minute": 0, "second": 3}
